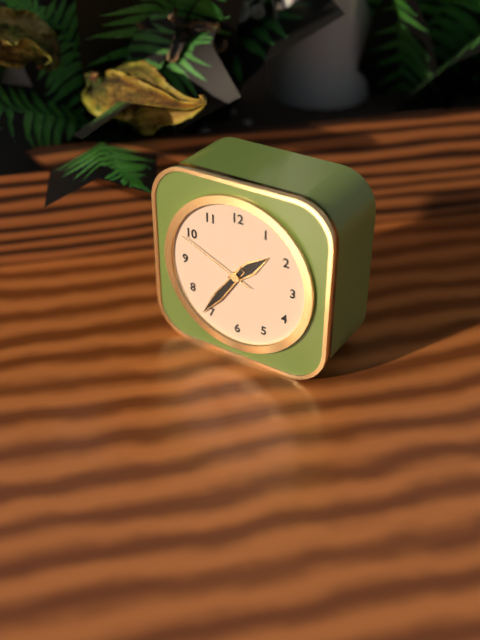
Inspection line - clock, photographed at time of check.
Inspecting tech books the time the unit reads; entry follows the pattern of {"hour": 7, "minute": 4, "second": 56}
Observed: {"hour": 1, "minute": 36, "second": 49}
